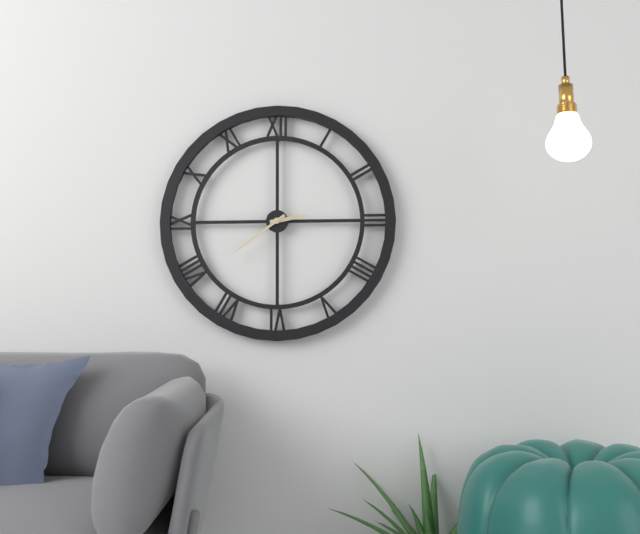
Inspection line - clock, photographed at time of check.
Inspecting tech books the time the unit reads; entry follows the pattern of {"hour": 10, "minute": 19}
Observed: {"hour": 2, "minute": 39}
